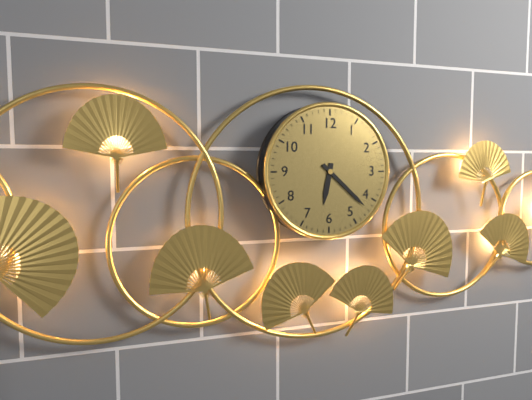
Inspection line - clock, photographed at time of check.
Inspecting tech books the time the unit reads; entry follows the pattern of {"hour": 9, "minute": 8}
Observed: {"hour": 6, "minute": 22}
